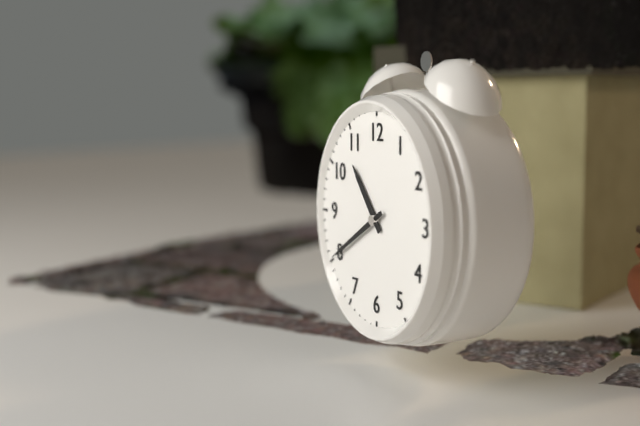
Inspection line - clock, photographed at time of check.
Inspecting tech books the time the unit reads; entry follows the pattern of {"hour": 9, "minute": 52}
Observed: {"hour": 10, "minute": 40}
